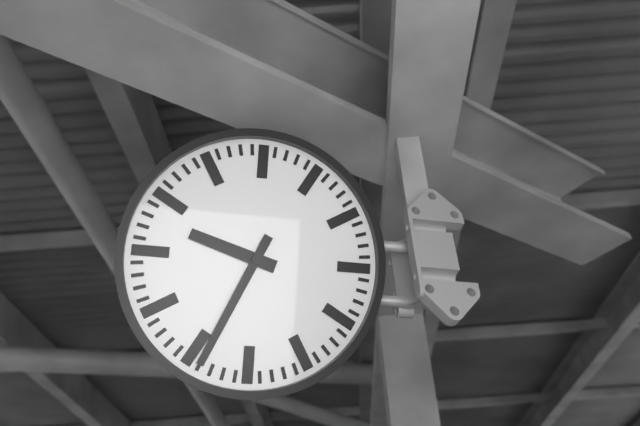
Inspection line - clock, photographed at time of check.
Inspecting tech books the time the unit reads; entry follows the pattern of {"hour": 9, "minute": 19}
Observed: {"hour": 9, "minute": 34}
